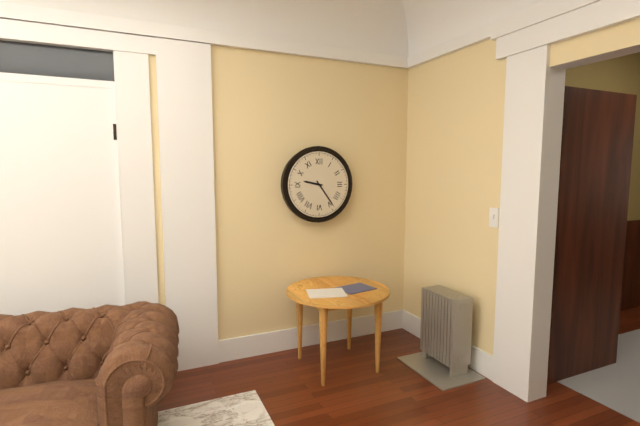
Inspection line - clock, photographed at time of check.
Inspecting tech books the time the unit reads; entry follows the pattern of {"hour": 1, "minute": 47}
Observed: {"hour": 9, "minute": 24}
